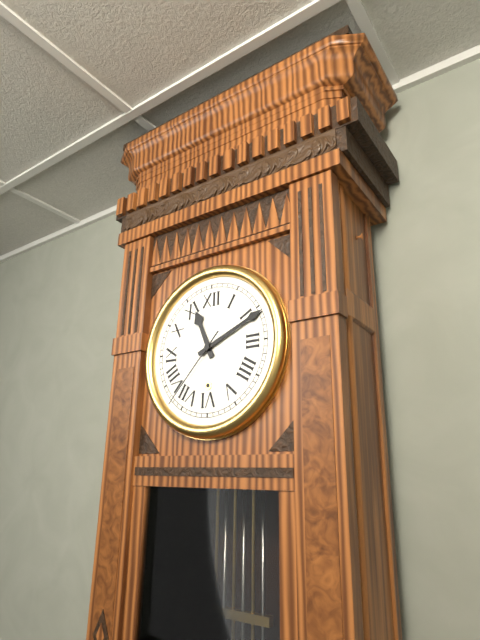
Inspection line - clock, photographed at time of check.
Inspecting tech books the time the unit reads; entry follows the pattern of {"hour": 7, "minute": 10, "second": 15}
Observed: {"hour": 11, "minute": 11, "second": 37}
